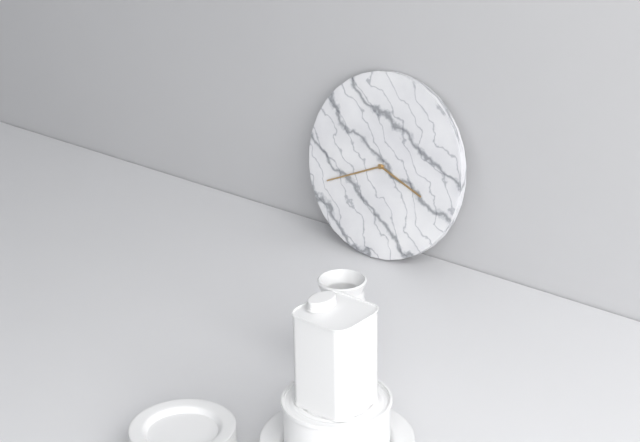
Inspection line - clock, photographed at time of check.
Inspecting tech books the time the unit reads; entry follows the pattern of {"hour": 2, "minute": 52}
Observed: {"hour": 3, "minute": 41}
